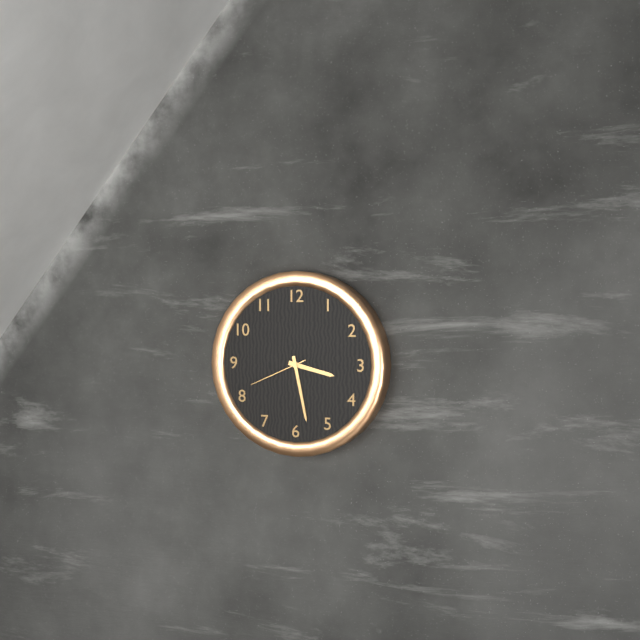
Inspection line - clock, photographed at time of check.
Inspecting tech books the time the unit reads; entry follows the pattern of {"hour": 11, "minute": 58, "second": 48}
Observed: {"hour": 3, "minute": 28, "second": 41}
